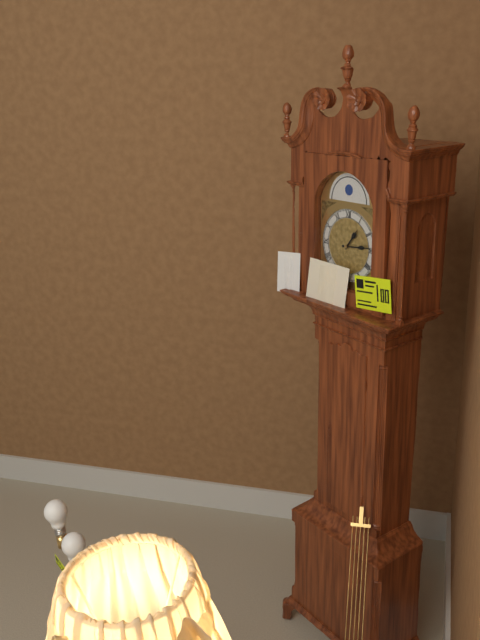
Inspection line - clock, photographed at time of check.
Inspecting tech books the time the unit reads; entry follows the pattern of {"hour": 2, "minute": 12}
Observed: {"hour": 1, "minute": 14}
